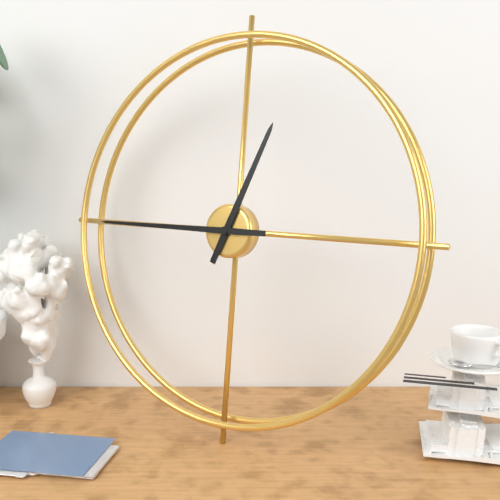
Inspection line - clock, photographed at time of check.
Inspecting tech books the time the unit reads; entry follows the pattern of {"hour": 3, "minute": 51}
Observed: {"hour": 12, "minute": 45}
